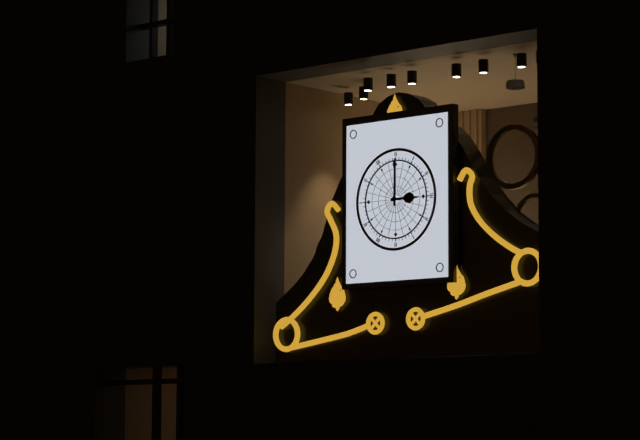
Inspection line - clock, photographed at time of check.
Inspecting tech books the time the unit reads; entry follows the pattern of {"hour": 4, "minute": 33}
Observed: {"hour": 3, "minute": 0}
